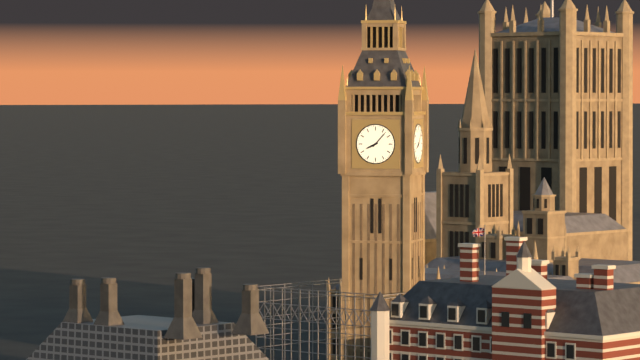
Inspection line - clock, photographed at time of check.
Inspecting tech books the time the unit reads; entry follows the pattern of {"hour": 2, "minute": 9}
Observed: {"hour": 8, "minute": 7}
